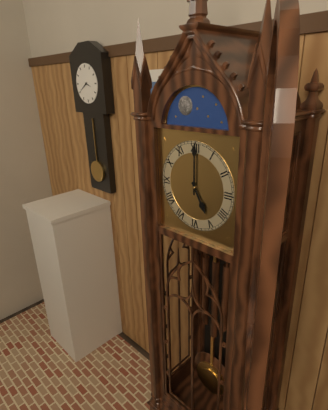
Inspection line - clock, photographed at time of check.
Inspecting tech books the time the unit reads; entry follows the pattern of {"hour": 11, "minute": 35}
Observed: {"hour": 5, "minute": 0}
